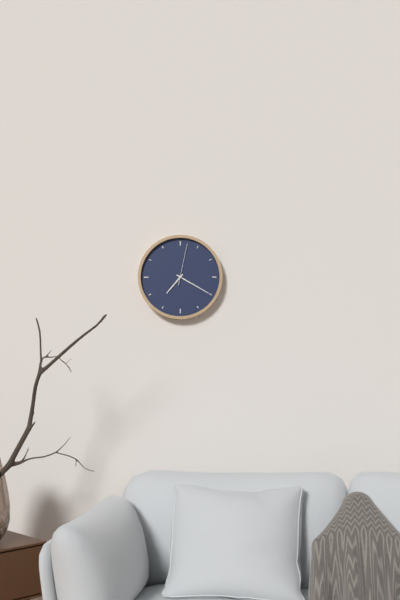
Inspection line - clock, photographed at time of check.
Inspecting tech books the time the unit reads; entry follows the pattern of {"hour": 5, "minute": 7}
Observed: {"hour": 7, "minute": 20}
